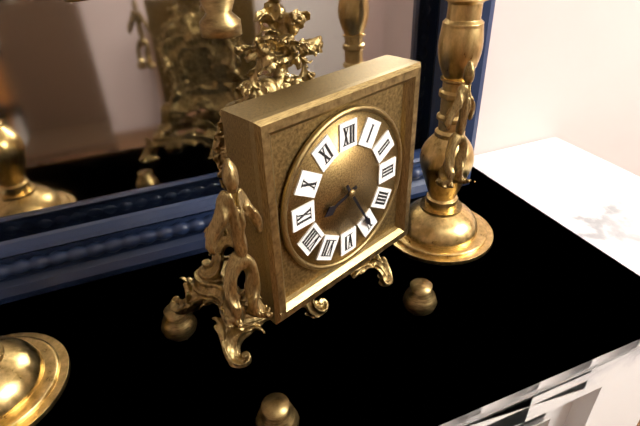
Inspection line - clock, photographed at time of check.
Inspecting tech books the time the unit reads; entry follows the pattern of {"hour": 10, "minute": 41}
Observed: {"hour": 8, "minute": 25}
